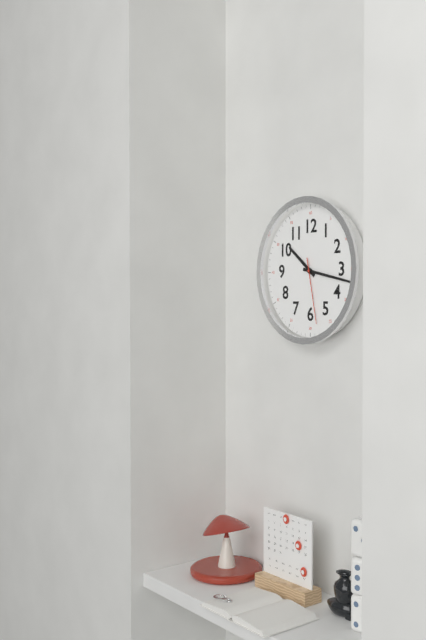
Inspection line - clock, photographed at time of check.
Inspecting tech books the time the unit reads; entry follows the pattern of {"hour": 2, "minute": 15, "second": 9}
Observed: {"hour": 10, "minute": 17, "second": 28}
